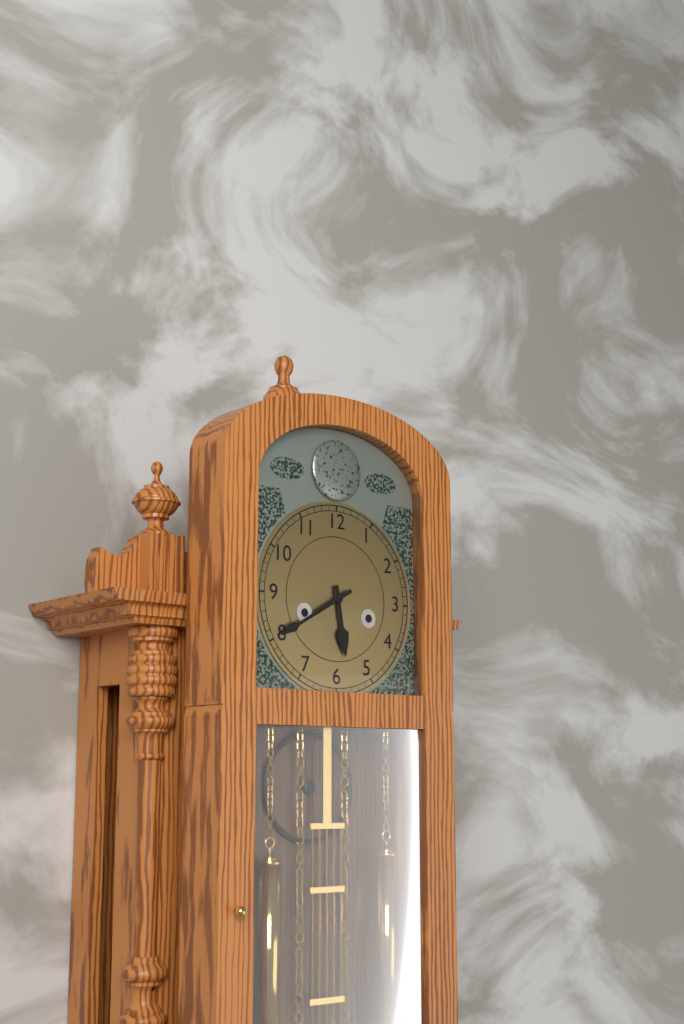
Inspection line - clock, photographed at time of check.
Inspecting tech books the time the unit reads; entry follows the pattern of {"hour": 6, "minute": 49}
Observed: {"hour": 5, "minute": 40}
